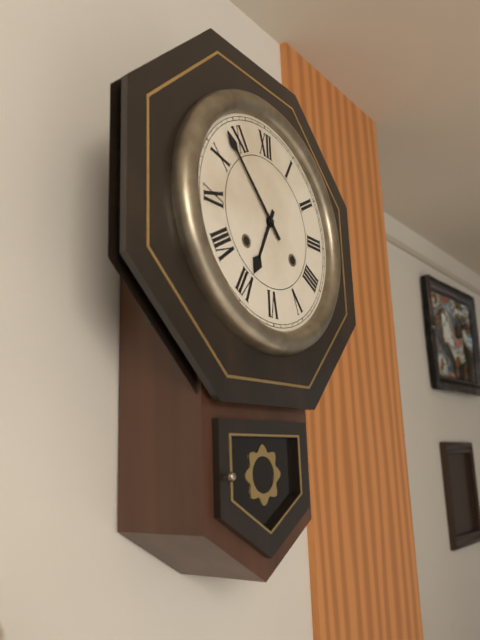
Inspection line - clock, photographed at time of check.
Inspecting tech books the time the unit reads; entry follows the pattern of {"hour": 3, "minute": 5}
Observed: {"hour": 6, "minute": 53}
